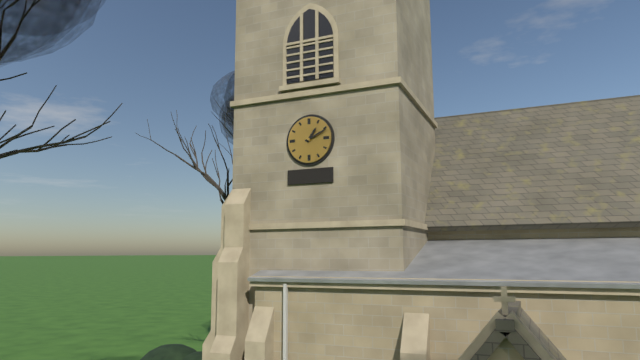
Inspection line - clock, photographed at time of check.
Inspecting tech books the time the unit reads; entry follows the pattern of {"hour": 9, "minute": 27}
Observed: {"hour": 1, "minute": 11}
